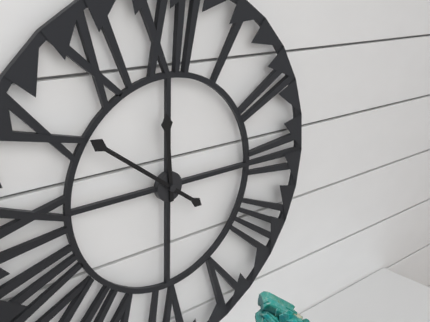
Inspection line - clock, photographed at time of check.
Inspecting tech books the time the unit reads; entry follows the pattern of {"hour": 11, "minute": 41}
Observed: {"hour": 11, "minute": 51}
